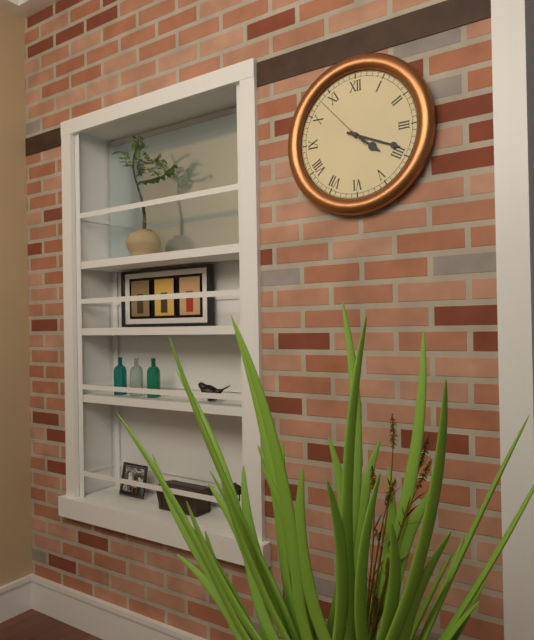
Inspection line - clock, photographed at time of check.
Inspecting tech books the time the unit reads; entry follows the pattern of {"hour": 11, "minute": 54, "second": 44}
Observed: {"hour": 4, "minute": 19, "second": 53}
